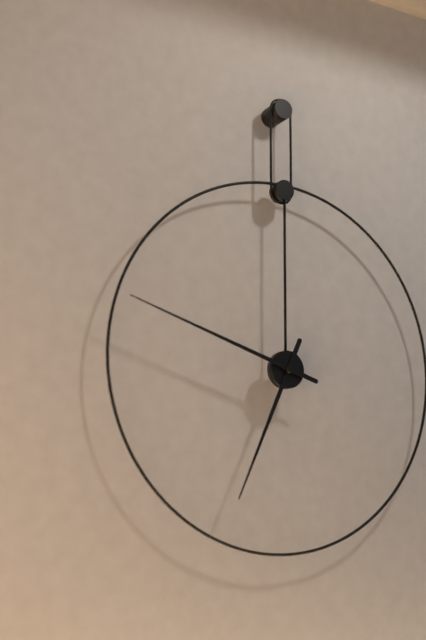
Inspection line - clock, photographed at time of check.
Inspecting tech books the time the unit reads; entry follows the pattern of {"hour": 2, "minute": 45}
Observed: {"hour": 6, "minute": 48}
